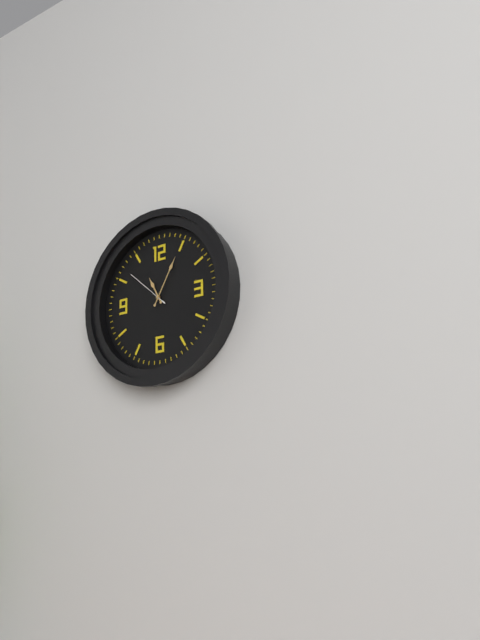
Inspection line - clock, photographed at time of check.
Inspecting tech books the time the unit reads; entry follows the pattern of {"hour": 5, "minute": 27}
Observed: {"hour": 11, "minute": 5}
